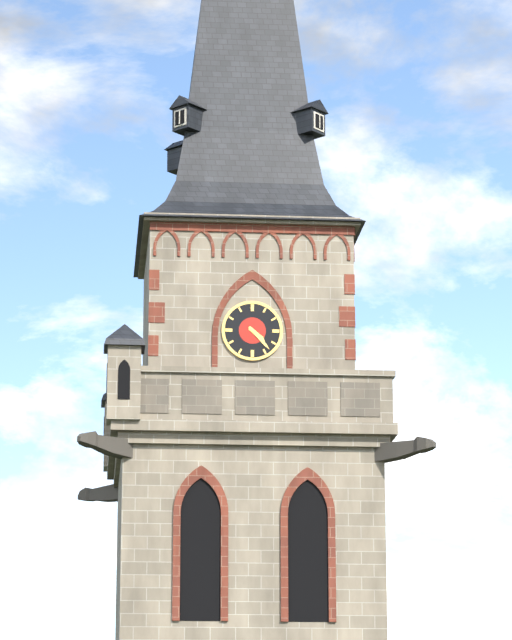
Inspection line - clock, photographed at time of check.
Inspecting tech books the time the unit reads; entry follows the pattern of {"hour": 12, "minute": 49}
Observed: {"hour": 4, "minute": 23}
